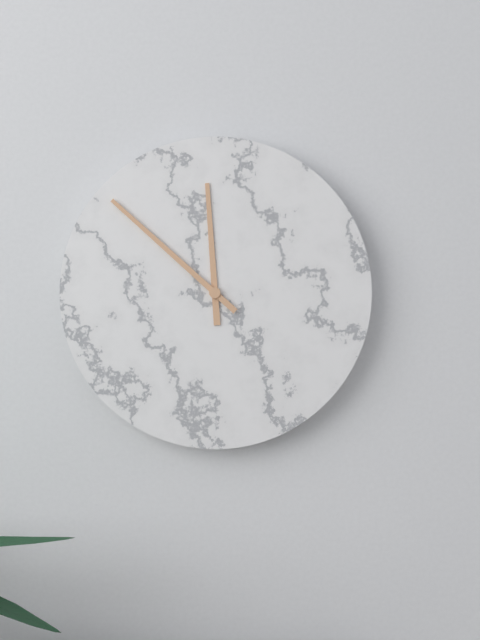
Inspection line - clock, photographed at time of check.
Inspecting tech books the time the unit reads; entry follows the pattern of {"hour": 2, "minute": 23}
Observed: {"hour": 11, "minute": 52}
